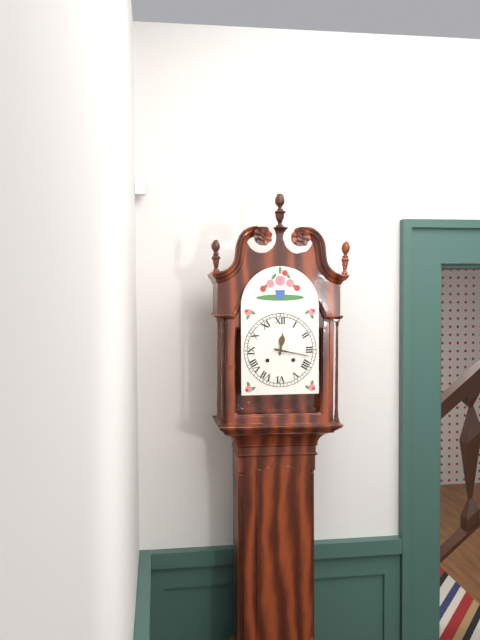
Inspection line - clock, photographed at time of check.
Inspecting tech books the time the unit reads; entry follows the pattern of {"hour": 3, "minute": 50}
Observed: {"hour": 12, "minute": 17}
